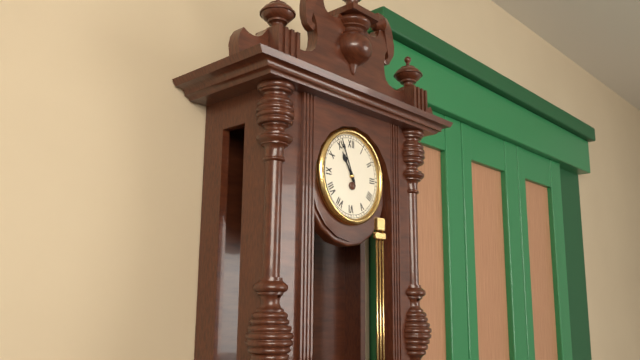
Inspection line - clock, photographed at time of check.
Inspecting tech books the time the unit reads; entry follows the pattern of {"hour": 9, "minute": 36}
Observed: {"hour": 10, "minute": 56}
